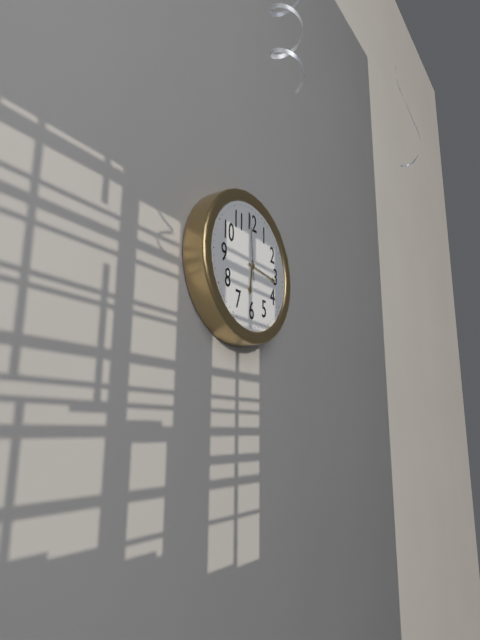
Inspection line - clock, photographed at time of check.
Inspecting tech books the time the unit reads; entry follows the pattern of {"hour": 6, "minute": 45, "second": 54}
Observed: {"hour": 6, "minute": 16, "second": 59}
